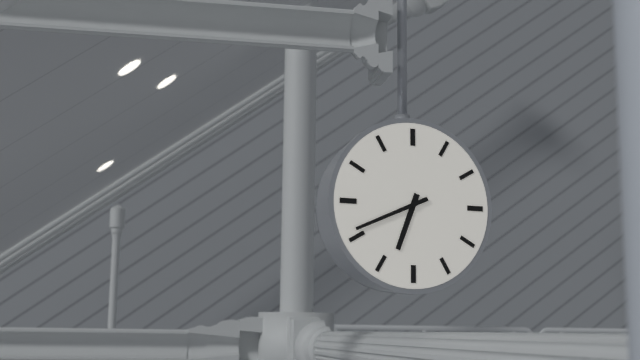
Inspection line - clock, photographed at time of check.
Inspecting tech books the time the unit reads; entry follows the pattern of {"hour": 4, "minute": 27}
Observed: {"hour": 6, "minute": 41}
